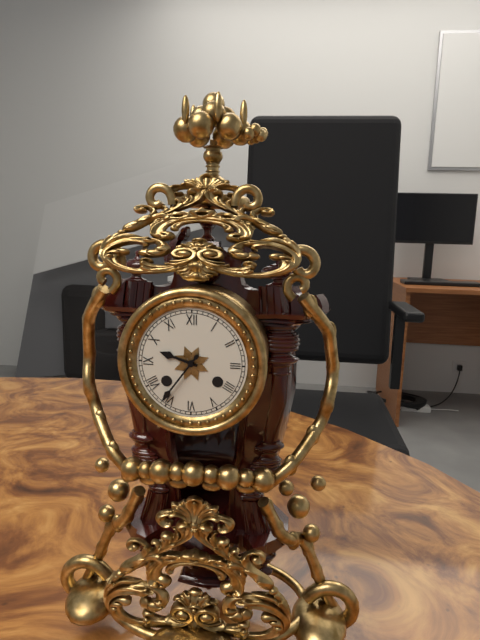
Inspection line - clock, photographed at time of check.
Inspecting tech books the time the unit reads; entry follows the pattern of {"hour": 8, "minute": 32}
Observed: {"hour": 9, "minute": 36}
